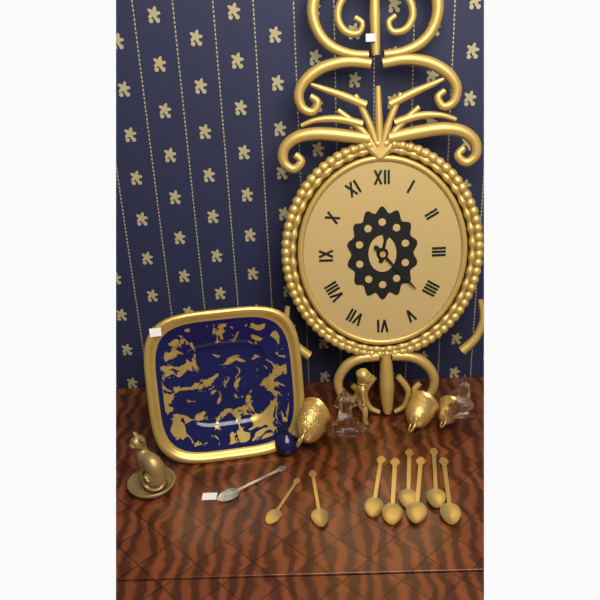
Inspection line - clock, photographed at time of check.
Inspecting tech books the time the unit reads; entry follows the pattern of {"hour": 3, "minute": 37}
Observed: {"hour": 12, "minute": 23}
